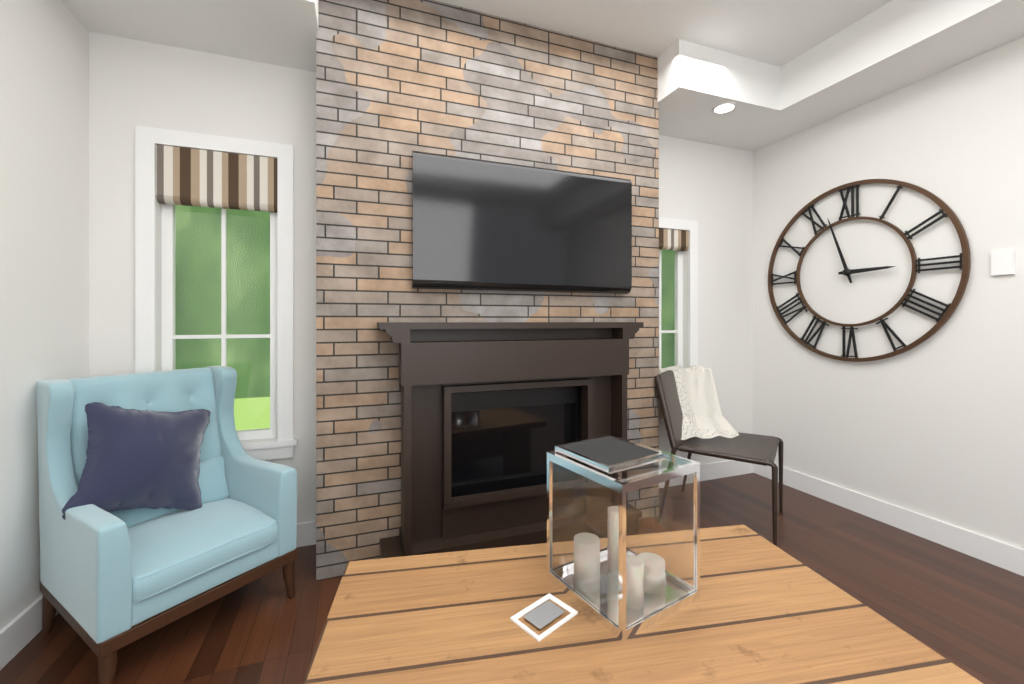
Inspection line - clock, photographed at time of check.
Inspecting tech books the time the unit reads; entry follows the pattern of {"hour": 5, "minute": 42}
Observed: {"hour": 2, "minute": 57}
